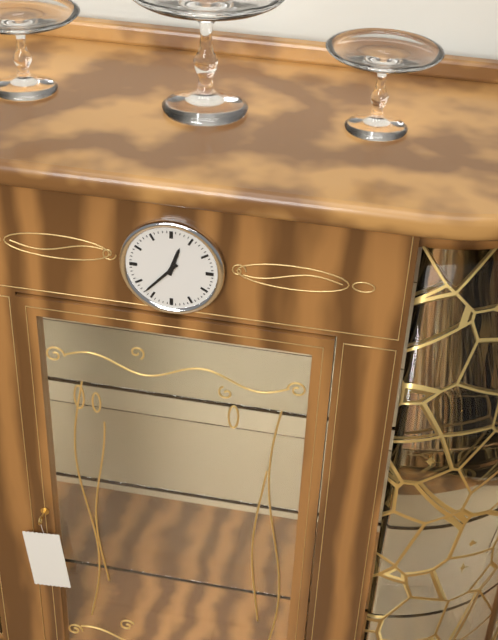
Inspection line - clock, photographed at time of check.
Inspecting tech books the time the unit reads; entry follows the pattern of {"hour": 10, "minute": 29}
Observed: {"hour": 12, "minute": 37}
